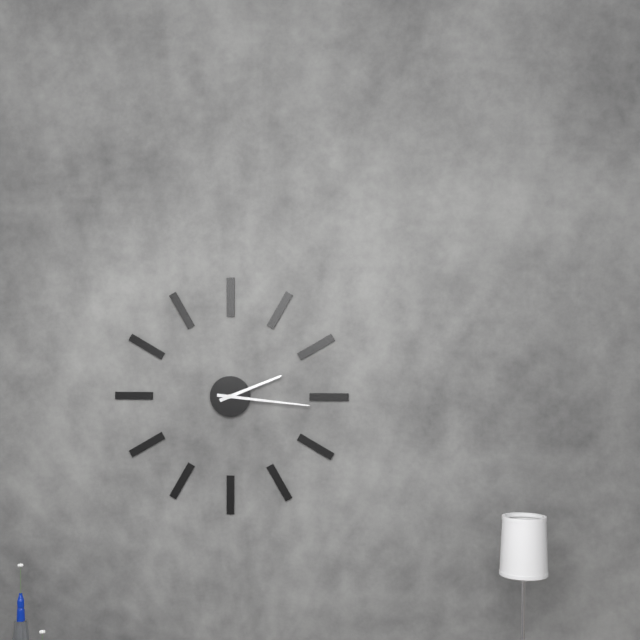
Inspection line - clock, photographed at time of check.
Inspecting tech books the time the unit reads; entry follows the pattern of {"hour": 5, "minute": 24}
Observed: {"hour": 2, "minute": 16}
